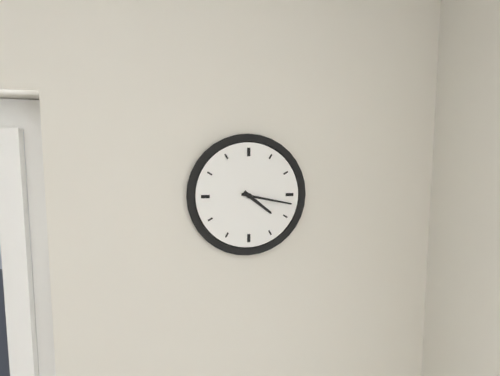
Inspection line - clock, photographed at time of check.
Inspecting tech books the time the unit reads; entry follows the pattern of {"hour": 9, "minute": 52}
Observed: {"hour": 4, "minute": 17}
